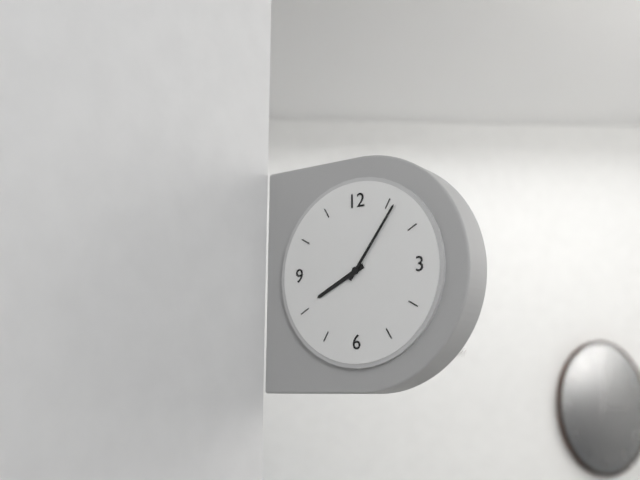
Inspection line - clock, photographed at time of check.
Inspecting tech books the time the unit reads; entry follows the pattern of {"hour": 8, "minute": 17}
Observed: {"hour": 8, "minute": 6}
